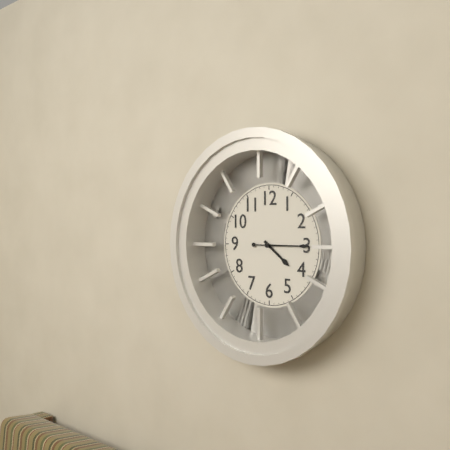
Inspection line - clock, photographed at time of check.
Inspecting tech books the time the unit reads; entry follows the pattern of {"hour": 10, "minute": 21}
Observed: {"hour": 4, "minute": 15}
